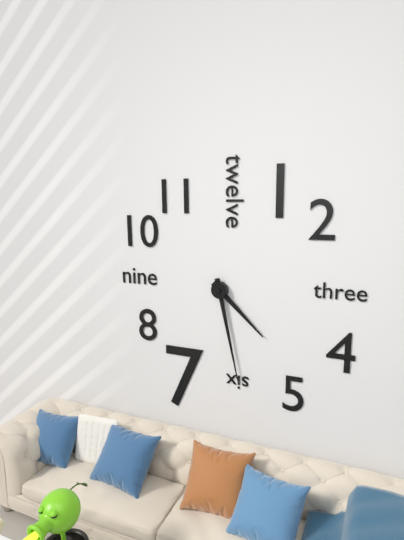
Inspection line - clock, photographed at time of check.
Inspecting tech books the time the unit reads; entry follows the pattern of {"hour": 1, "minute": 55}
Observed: {"hour": 4, "minute": 28}
